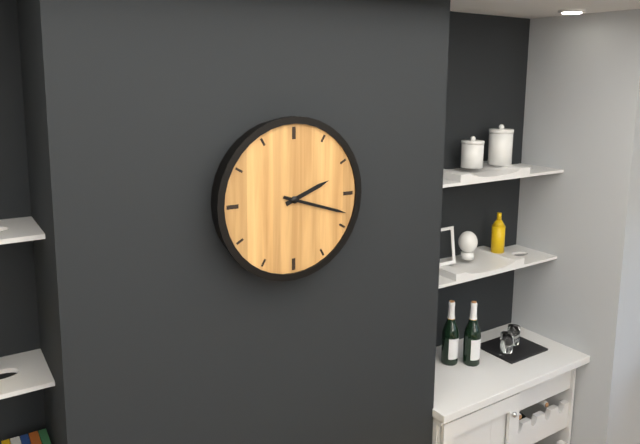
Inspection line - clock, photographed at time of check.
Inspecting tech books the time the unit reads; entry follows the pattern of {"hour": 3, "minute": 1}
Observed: {"hour": 2, "minute": 18}
